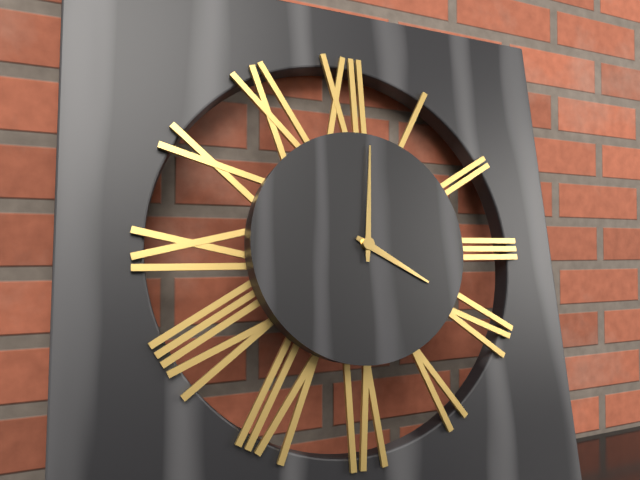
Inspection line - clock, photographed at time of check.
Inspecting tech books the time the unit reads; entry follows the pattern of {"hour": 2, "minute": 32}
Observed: {"hour": 4, "minute": 1}
